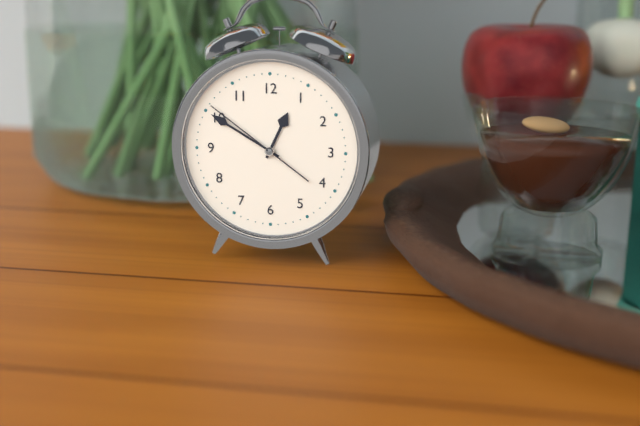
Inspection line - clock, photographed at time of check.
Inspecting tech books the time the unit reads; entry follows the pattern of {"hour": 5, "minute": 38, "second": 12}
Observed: {"hour": 12, "minute": 50, "second": 51}
